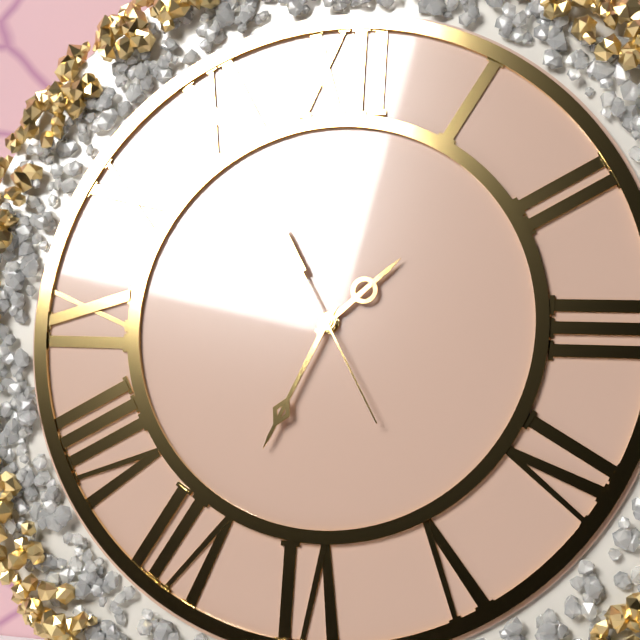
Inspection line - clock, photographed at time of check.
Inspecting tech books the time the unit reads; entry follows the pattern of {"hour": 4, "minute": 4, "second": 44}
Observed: {"hour": 1, "minute": 34, "second": 25}
